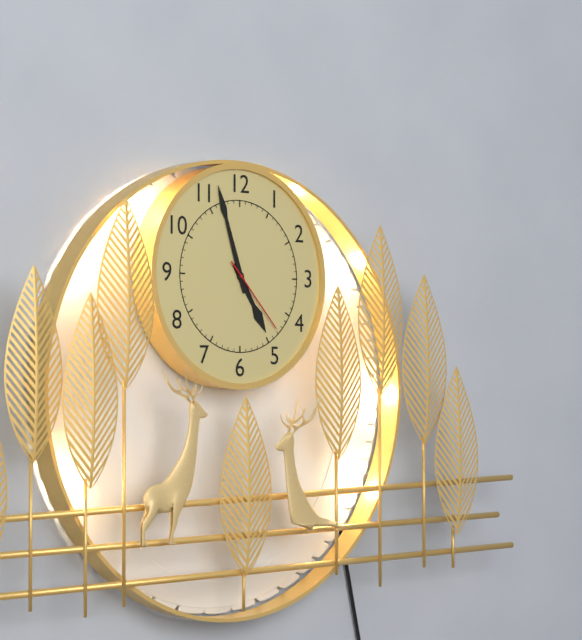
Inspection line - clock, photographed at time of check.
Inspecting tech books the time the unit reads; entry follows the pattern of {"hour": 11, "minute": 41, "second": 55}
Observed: {"hour": 4, "minute": 57, "second": 23}
